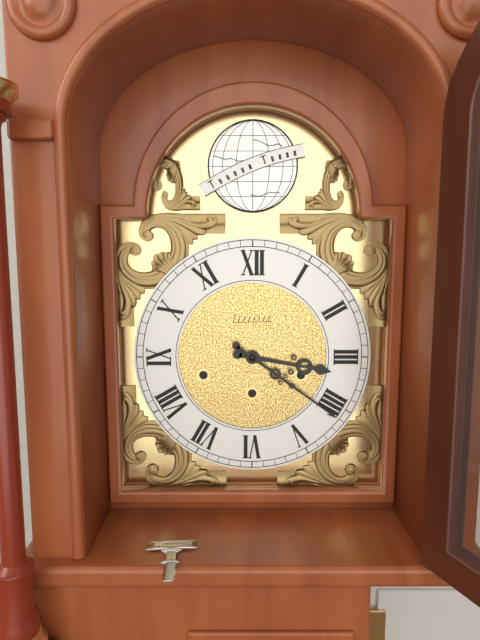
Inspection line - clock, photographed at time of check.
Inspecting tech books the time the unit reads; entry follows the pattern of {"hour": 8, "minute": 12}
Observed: {"hour": 3, "minute": 21}
